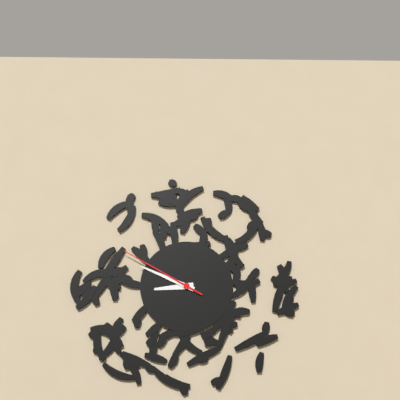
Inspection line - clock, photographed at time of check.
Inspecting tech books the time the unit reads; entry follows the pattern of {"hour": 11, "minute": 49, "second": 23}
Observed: {"hour": 8, "minute": 49, "second": 50}
